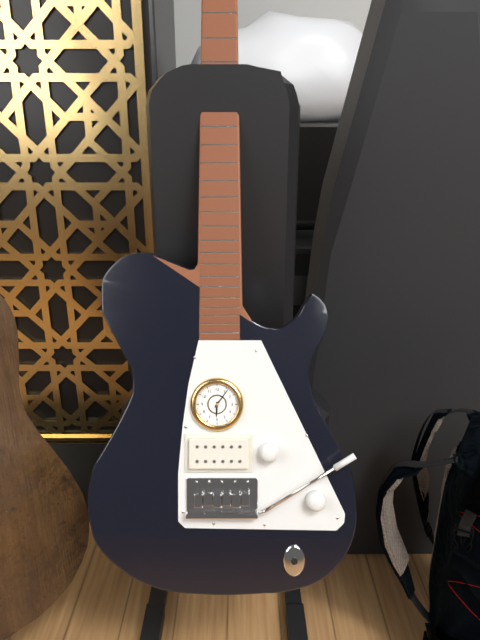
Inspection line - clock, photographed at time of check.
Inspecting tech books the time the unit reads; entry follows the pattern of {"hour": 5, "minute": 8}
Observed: {"hour": 6, "minute": 6}
